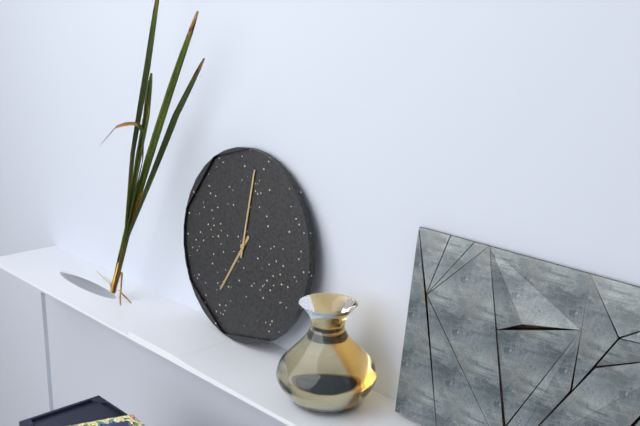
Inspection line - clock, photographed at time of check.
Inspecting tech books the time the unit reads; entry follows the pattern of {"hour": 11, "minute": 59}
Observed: {"hour": 7, "minute": 1}
